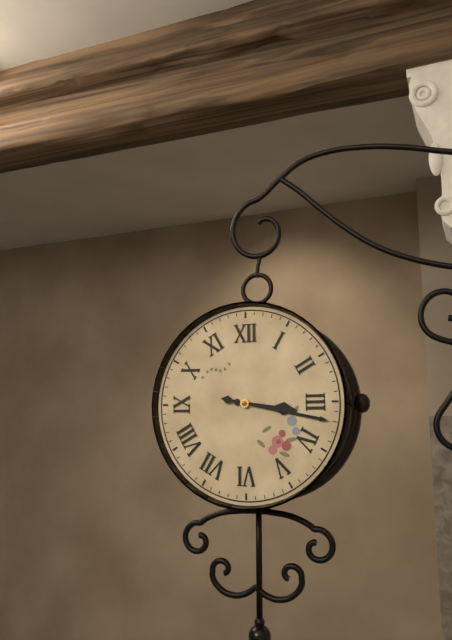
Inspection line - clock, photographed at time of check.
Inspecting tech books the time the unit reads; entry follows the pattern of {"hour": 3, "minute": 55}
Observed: {"hour": 3, "minute": 17}
